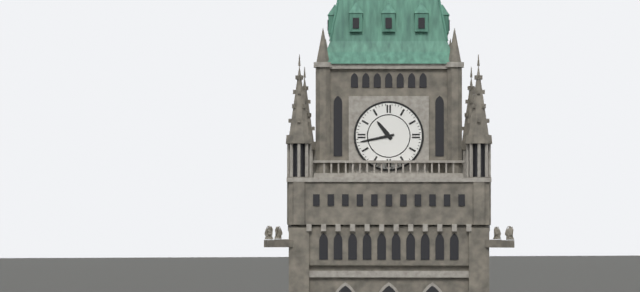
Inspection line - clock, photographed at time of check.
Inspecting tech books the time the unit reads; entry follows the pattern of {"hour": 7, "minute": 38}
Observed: {"hour": 10, "minute": 43}
